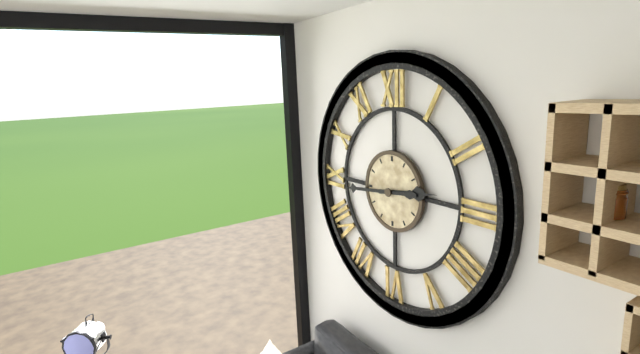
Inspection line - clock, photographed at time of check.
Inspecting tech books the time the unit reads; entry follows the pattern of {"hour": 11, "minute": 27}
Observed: {"hour": 2, "minute": 44}
